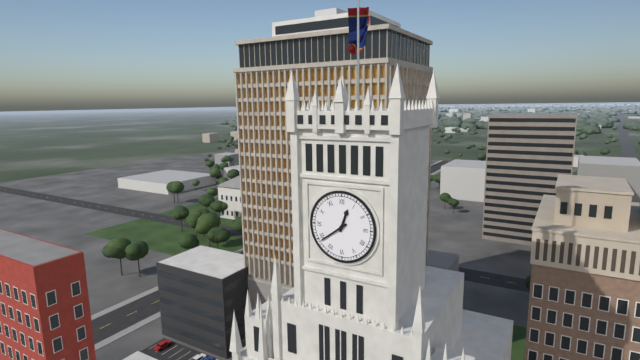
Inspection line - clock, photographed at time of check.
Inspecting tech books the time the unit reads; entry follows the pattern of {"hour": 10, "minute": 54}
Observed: {"hour": 12, "minute": 39}
